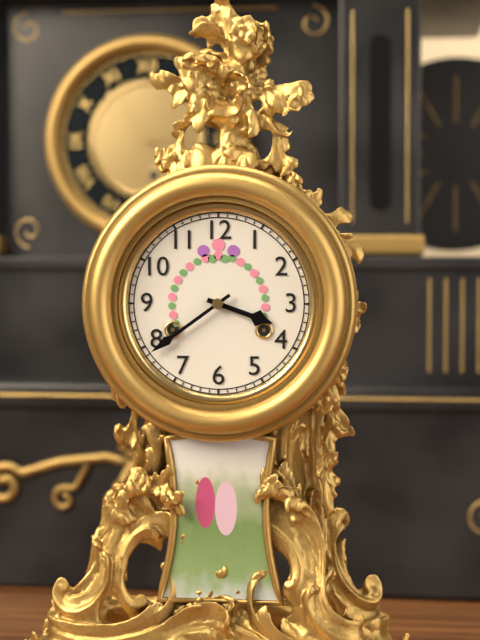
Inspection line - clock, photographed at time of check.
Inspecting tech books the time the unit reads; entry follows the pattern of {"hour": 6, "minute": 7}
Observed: {"hour": 3, "minute": 39}
